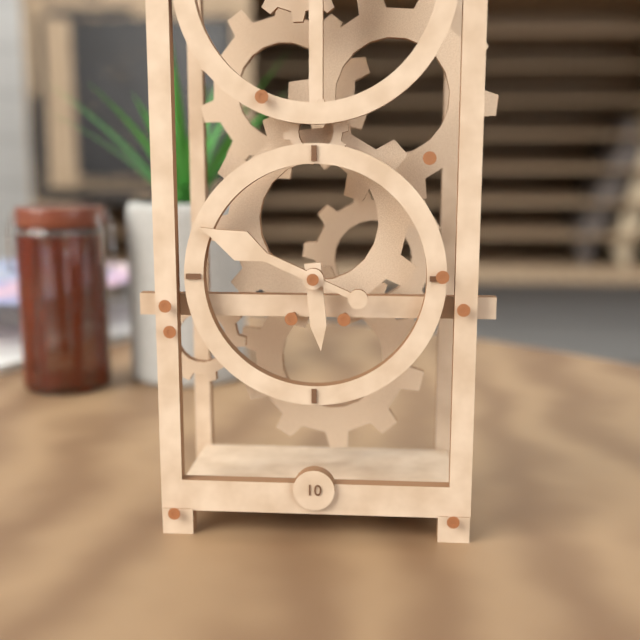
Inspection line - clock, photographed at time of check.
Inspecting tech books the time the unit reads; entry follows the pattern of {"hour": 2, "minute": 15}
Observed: {"hour": 5, "minute": 49}
